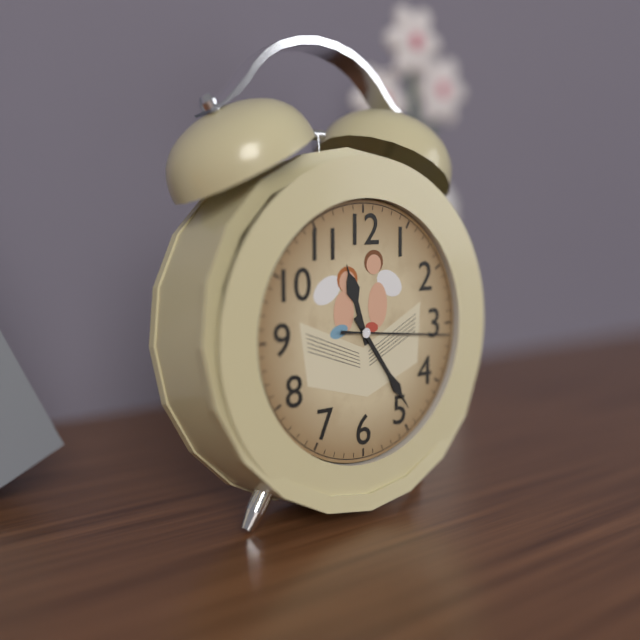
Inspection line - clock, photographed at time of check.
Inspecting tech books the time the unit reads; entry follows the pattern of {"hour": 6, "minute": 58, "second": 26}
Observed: {"hour": 11, "minute": 24, "second": 16}
